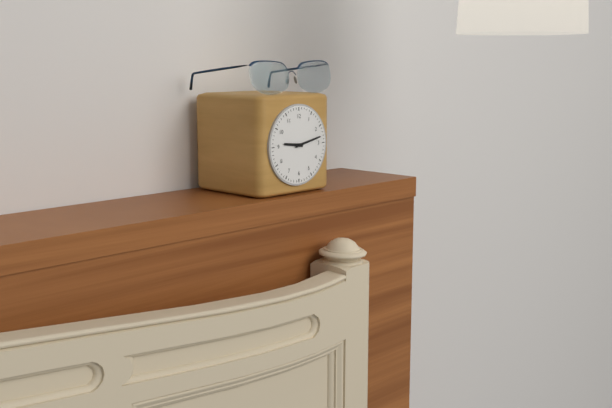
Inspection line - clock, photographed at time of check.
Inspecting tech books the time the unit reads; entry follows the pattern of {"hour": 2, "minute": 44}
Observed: {"hour": 9, "minute": 13}
